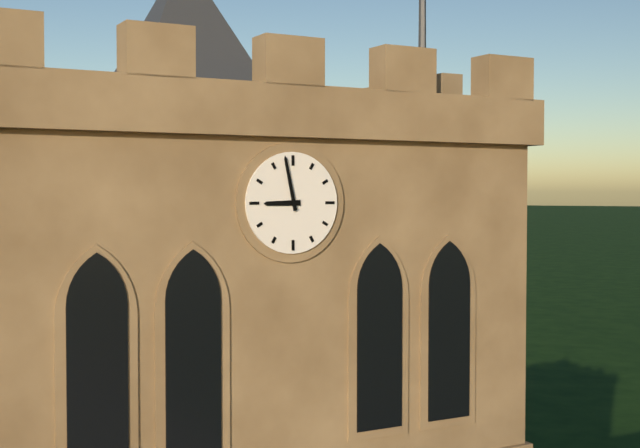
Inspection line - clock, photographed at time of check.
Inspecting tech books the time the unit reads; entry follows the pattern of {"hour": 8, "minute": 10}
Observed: {"hour": 8, "minute": 58}
